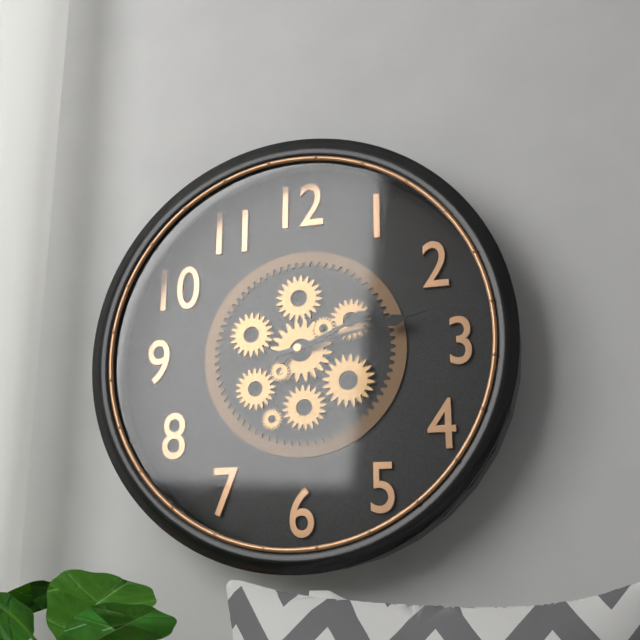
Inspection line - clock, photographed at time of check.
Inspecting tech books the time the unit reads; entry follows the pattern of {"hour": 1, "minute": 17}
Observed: {"hour": 2, "minute": 13}
